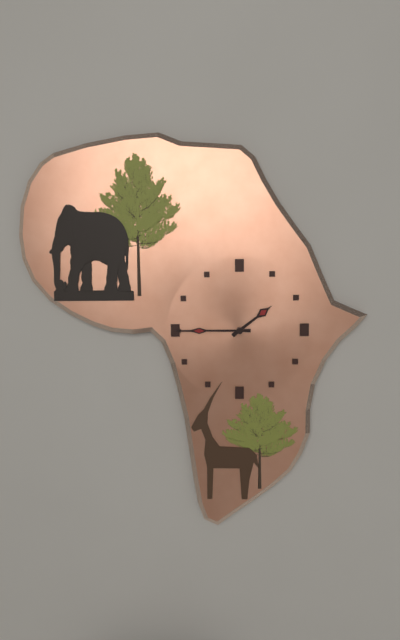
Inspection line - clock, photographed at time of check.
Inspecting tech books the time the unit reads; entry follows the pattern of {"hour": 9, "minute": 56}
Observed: {"hour": 1, "minute": 45}
